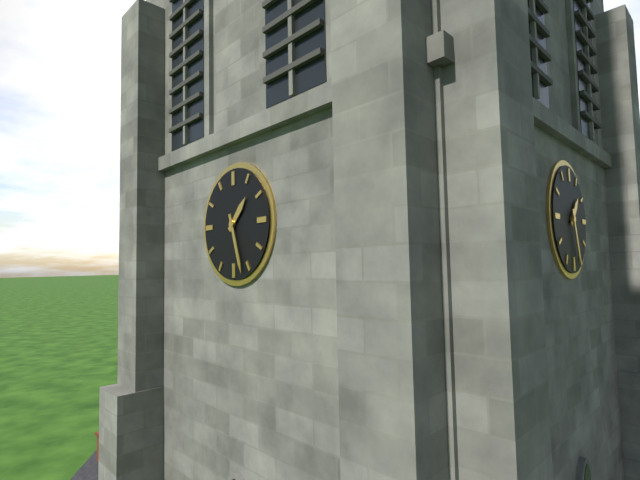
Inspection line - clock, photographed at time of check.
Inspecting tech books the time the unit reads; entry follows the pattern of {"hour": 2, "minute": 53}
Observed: {"hour": 1, "minute": 27}
